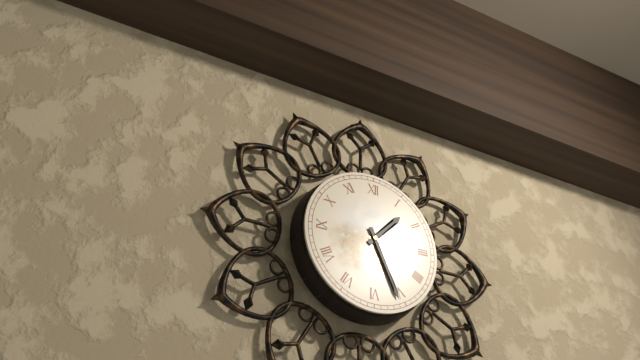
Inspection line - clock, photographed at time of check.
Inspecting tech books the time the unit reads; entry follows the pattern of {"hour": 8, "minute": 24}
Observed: {"hour": 1, "minute": 26}
